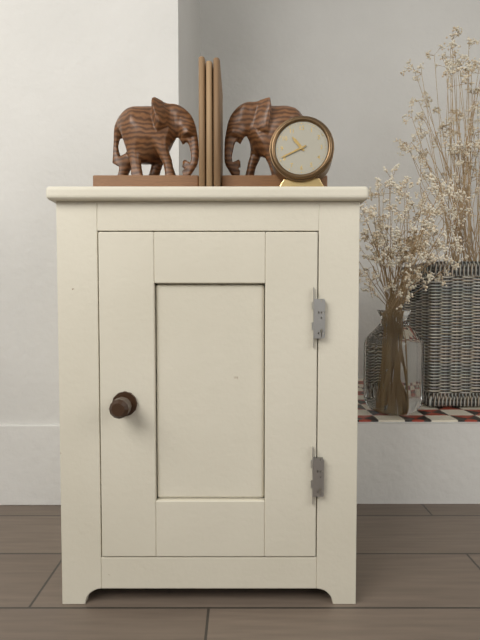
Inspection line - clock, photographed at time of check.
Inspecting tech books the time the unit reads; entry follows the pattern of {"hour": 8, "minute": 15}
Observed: {"hour": 10, "minute": 41}
